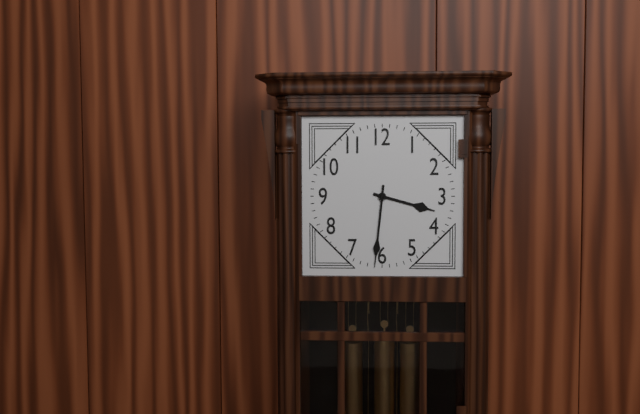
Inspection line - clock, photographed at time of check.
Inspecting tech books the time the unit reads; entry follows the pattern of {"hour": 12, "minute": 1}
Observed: {"hour": 3, "minute": 31}
